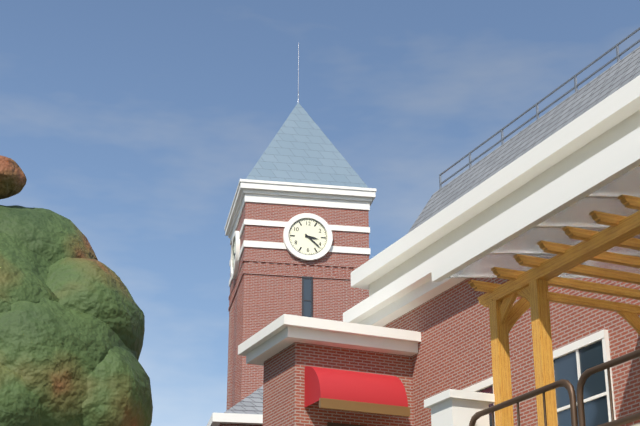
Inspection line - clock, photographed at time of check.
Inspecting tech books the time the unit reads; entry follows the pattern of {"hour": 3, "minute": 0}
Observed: {"hour": 3, "minute": 22}
